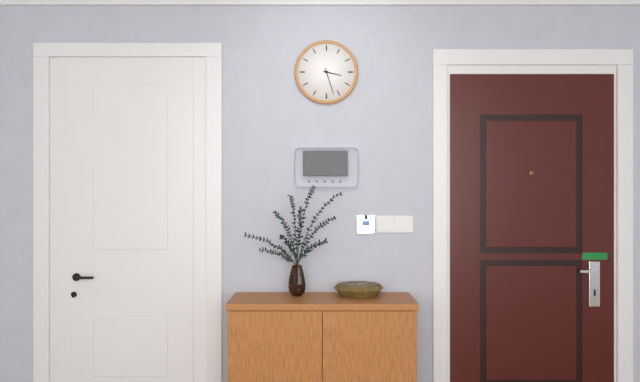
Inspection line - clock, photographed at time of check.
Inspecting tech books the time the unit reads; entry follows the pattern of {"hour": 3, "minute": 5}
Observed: {"hour": 3, "minute": 27}
